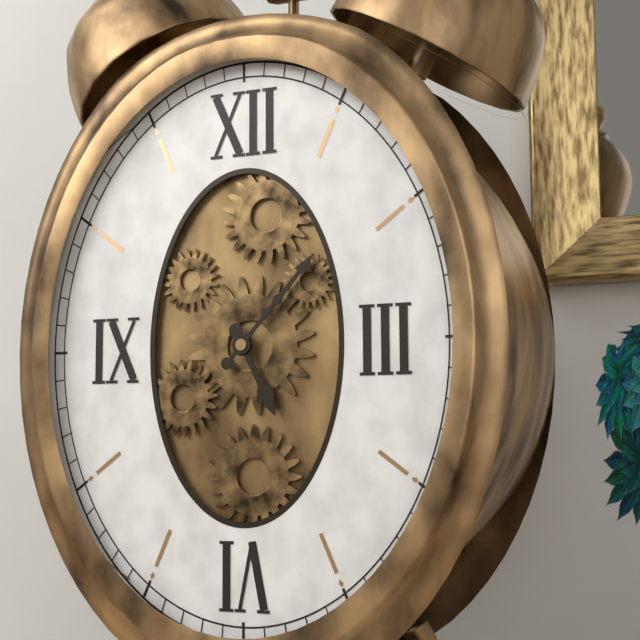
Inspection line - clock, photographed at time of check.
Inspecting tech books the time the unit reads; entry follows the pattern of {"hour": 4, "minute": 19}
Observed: {"hour": 5, "minute": 7}
